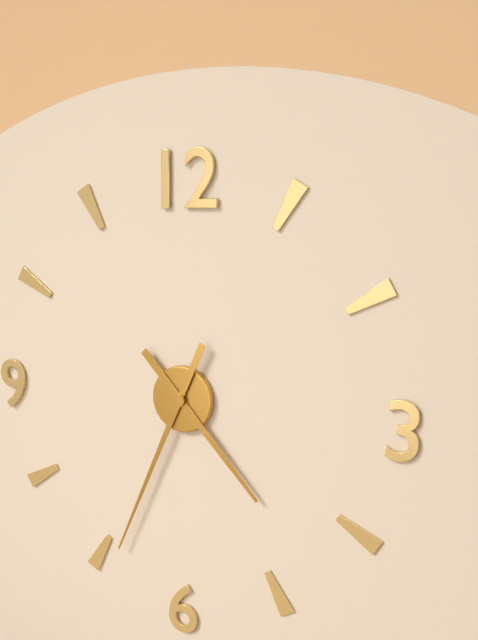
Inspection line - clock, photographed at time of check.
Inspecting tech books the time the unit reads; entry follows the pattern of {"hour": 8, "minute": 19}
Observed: {"hour": 4, "minute": 34}
